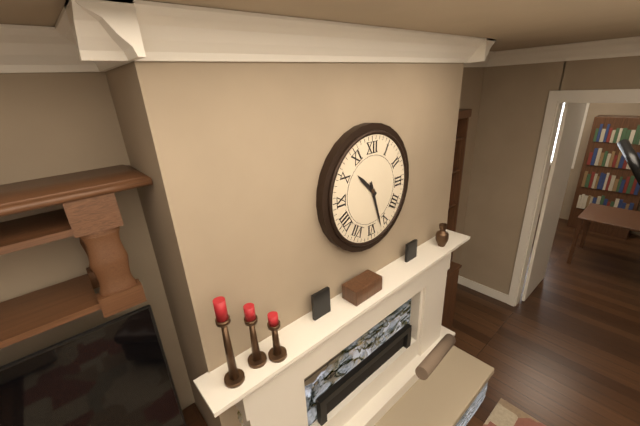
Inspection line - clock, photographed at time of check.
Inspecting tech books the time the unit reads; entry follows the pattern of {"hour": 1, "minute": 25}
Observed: {"hour": 10, "minute": 27}
